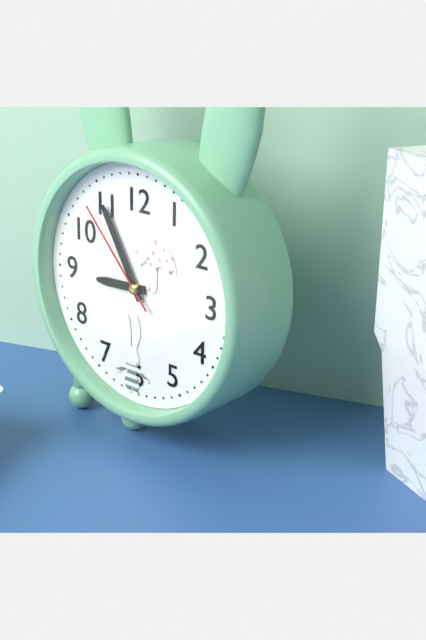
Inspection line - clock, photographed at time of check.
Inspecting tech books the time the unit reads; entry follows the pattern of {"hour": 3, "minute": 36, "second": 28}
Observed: {"hour": 8, "minute": 55, "second": 53}
